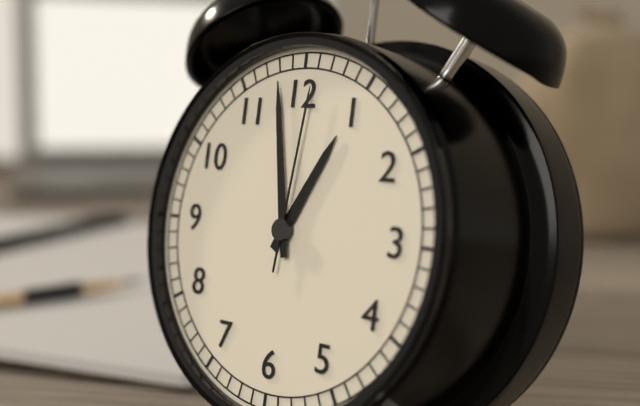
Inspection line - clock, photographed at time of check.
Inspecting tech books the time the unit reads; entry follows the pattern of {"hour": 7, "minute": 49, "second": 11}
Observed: {"hour": 12, "minute": 58, "second": 1}
